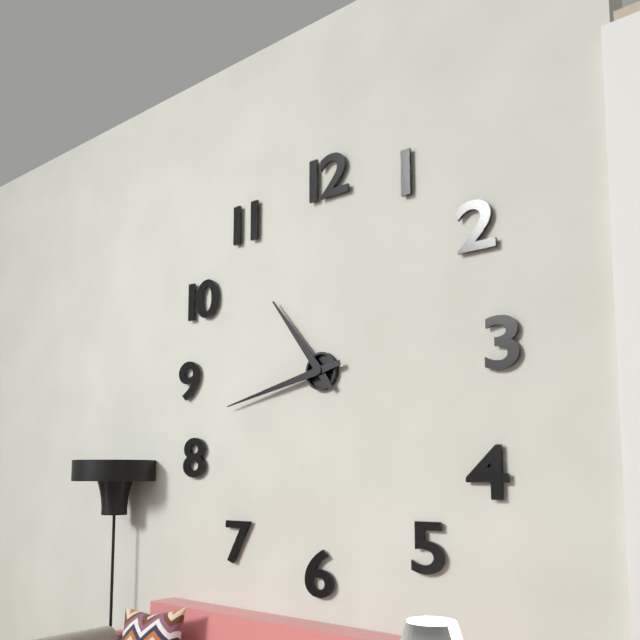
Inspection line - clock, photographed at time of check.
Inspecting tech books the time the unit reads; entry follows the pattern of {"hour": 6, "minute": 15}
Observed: {"hour": 10, "minute": 43}
